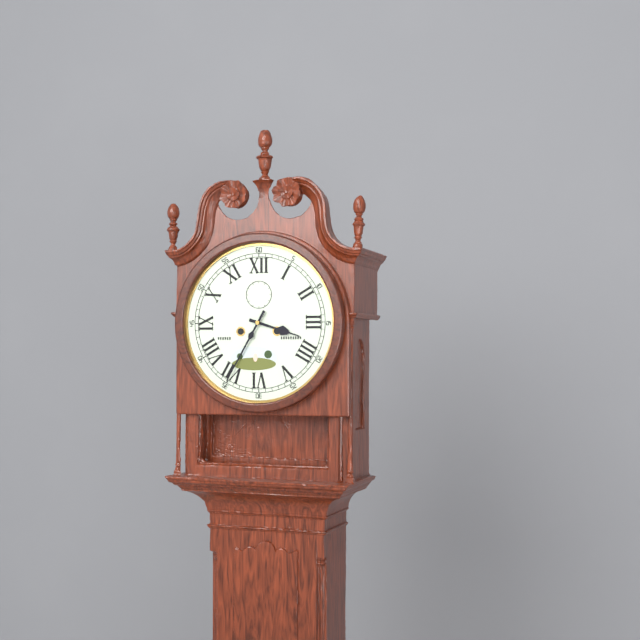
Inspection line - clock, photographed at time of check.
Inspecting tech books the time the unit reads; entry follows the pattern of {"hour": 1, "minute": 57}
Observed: {"hour": 3, "minute": 35}
